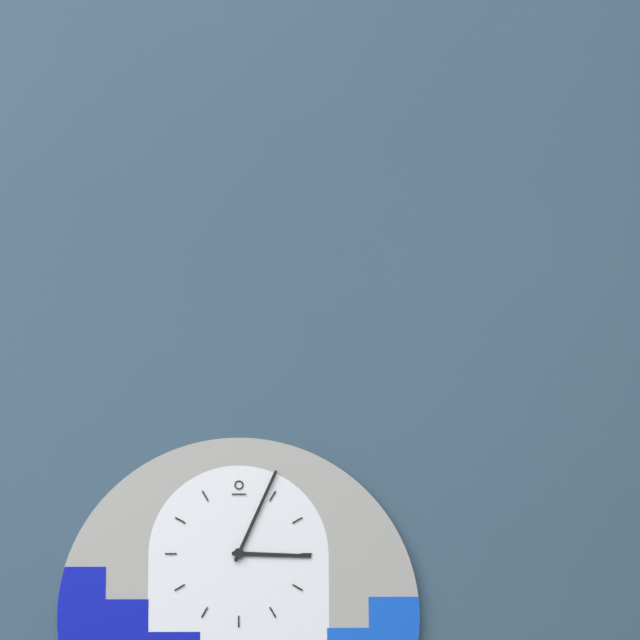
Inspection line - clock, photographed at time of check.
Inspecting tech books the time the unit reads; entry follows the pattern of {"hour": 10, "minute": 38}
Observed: {"hour": 3, "minute": 4}
